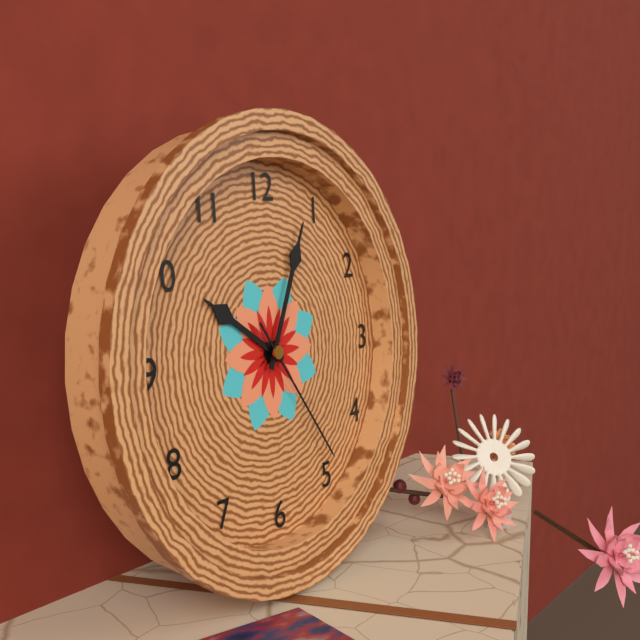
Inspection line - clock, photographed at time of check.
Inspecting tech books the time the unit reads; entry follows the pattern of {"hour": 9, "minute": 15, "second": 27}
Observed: {"hour": 10, "minute": 4, "second": 24}
